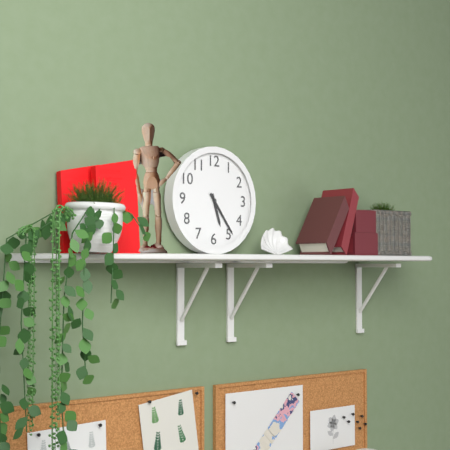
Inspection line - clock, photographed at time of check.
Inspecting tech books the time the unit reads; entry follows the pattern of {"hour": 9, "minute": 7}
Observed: {"hour": 5, "minute": 24}
